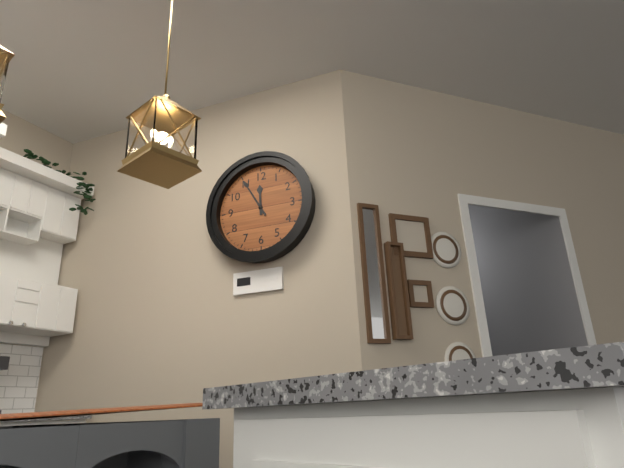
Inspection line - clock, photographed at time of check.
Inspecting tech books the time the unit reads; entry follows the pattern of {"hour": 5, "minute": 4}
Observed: {"hour": 11, "minute": 55}
